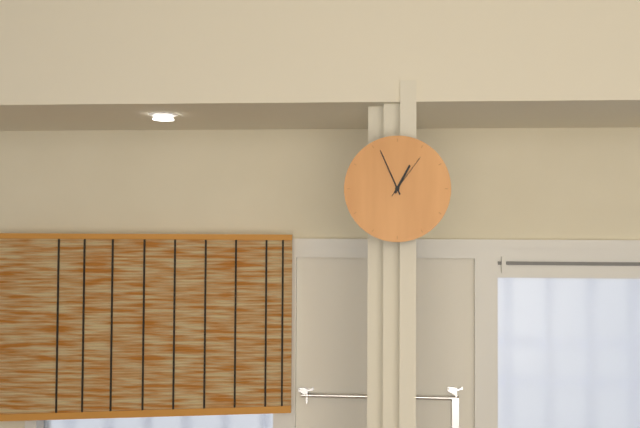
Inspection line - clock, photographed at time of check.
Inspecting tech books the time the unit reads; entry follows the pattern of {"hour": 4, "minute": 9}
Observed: {"hour": 12, "minute": 56}
